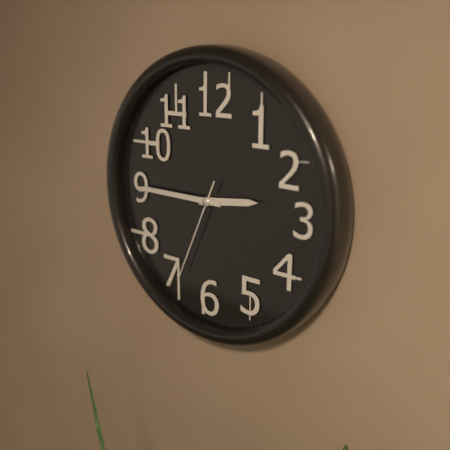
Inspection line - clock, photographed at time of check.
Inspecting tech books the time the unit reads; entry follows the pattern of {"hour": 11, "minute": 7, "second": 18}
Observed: {"hour": 2, "minute": 45, "second": 34}
